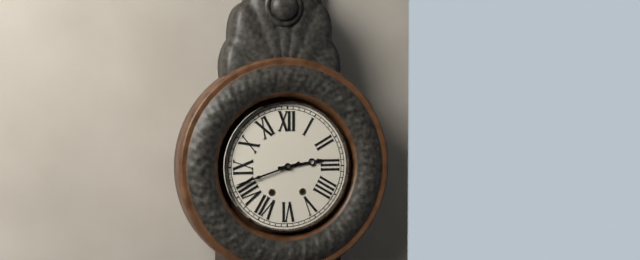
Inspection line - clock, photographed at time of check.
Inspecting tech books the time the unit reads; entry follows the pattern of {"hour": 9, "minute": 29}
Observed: {"hour": 2, "minute": 42}
